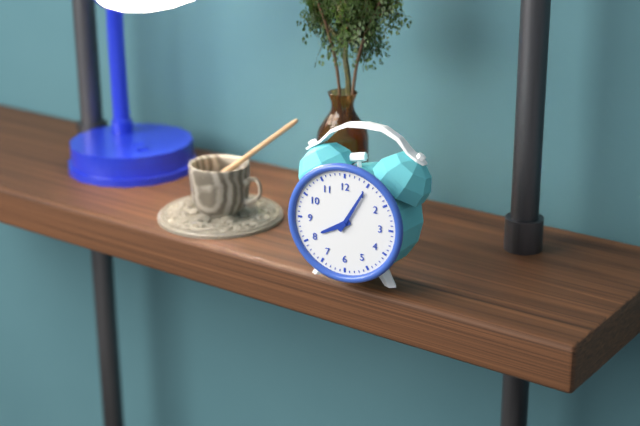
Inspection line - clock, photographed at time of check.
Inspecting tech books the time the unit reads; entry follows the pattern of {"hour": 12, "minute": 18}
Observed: {"hour": 8, "minute": 5}
